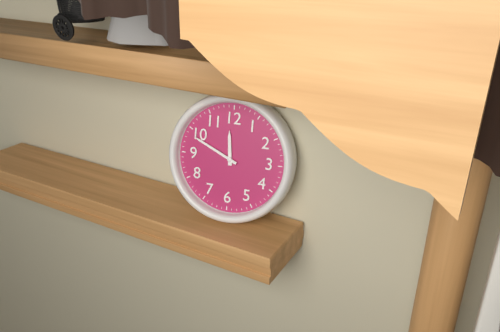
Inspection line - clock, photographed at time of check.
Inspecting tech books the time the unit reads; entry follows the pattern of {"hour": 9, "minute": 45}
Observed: {"hour": 11, "minute": 49}
